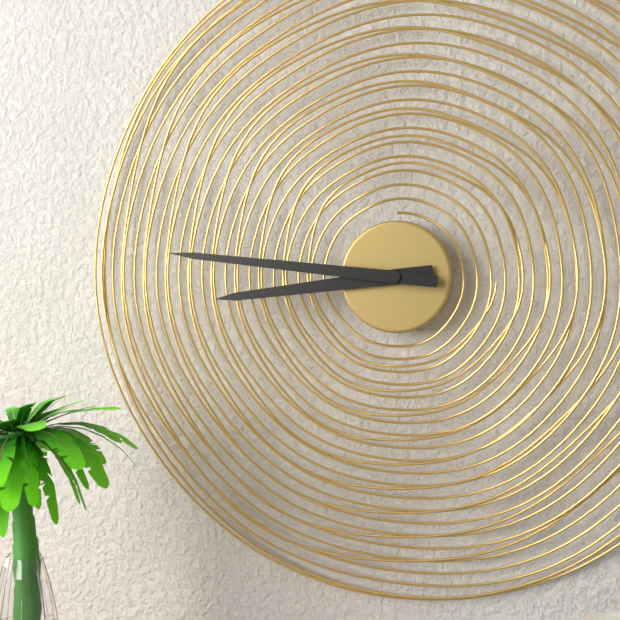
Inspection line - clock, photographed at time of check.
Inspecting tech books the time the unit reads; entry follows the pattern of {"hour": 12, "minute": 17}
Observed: {"hour": 8, "minute": 46}
